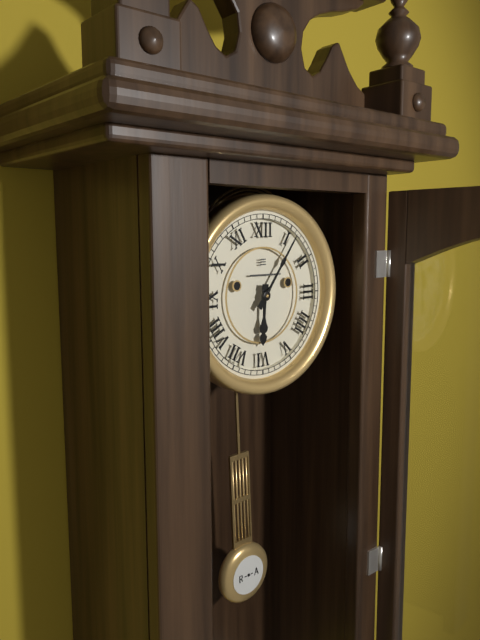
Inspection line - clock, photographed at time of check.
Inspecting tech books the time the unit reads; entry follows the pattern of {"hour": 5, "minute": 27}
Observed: {"hour": 6, "minute": 6}
